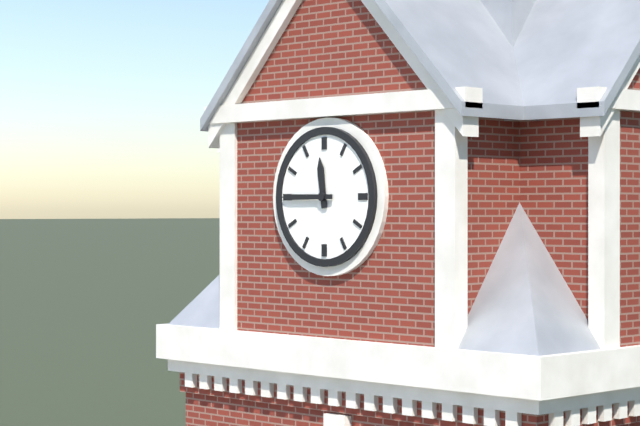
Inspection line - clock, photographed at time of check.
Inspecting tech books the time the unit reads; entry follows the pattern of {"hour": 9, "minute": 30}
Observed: {"hour": 11, "minute": 45}
